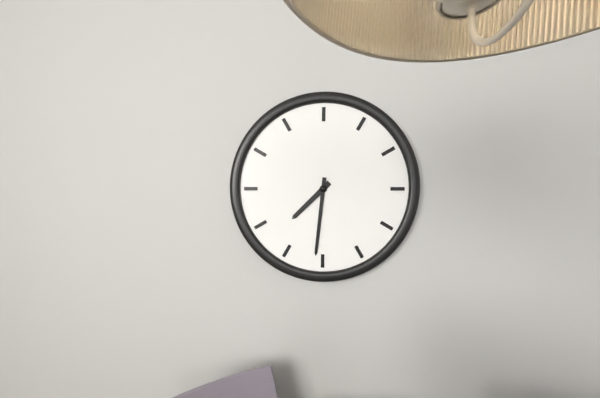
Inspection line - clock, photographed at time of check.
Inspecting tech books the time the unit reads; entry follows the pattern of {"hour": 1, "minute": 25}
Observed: {"hour": 7, "minute": 31}
